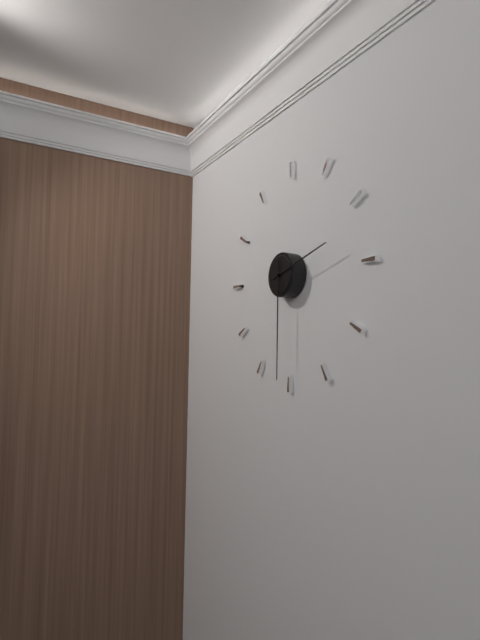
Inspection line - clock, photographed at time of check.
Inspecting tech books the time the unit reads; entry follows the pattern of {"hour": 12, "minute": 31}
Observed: {"hour": 2, "minute": 30}
